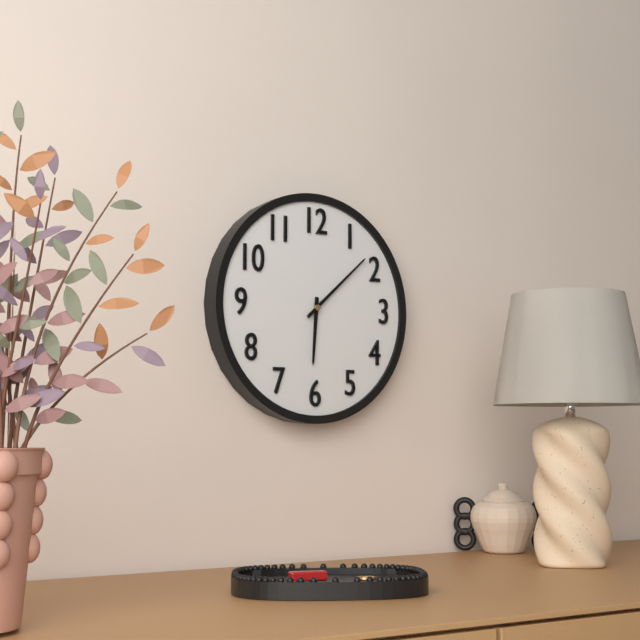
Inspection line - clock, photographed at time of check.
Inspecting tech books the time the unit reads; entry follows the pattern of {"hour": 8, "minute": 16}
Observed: {"hour": 6, "minute": 8}
